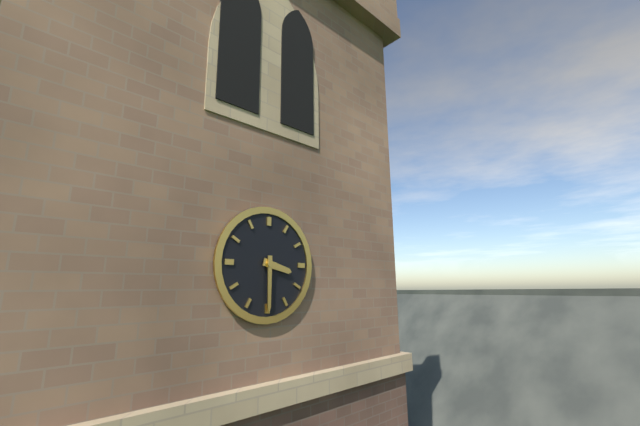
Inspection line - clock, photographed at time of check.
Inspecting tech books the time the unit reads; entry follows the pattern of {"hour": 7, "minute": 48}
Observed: {"hour": 3, "minute": 30}
